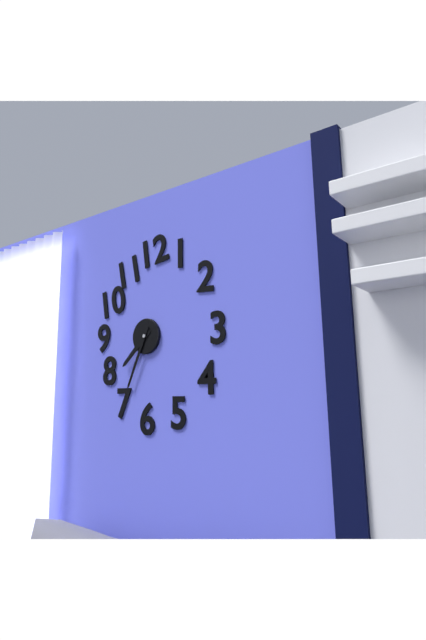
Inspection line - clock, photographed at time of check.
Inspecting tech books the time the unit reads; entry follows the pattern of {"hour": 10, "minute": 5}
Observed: {"hour": 7, "minute": 34}
